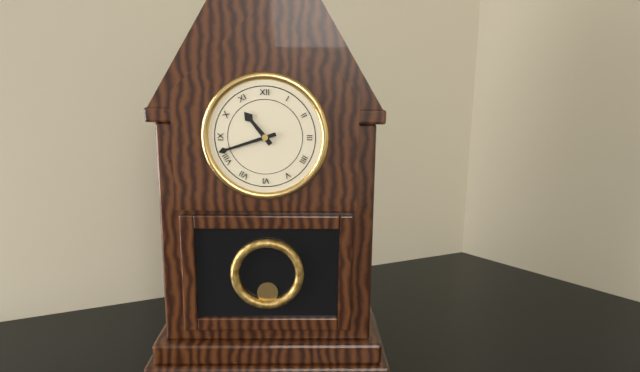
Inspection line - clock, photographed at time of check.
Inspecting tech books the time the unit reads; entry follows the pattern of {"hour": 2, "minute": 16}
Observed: {"hour": 10, "minute": 42}
